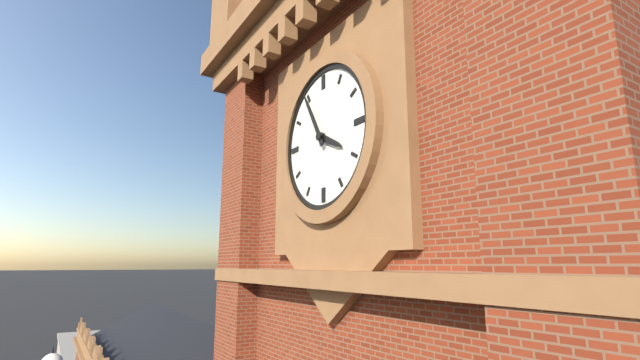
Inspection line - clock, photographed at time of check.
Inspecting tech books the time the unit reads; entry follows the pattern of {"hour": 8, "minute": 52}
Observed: {"hour": 3, "minute": 55}
